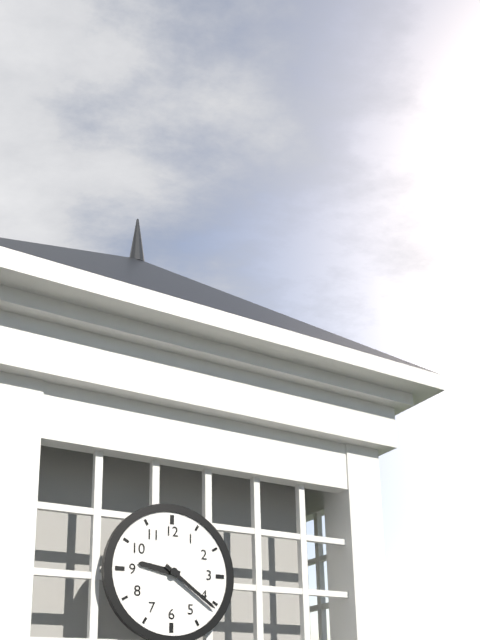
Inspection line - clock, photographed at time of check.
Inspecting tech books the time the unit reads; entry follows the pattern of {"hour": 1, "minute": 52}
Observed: {"hour": 9, "minute": 21}
